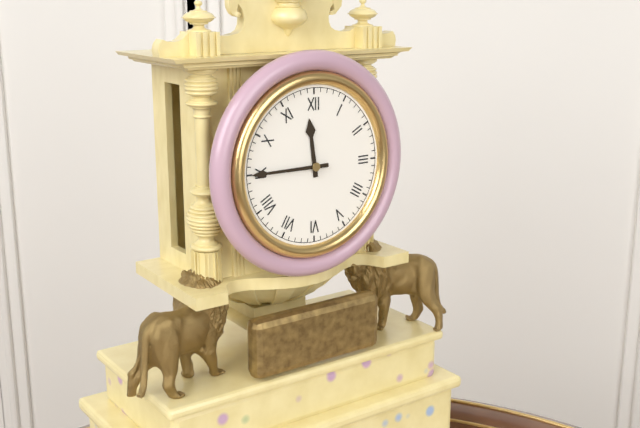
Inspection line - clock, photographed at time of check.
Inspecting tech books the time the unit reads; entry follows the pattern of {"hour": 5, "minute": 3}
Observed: {"hour": 11, "minute": 45}
